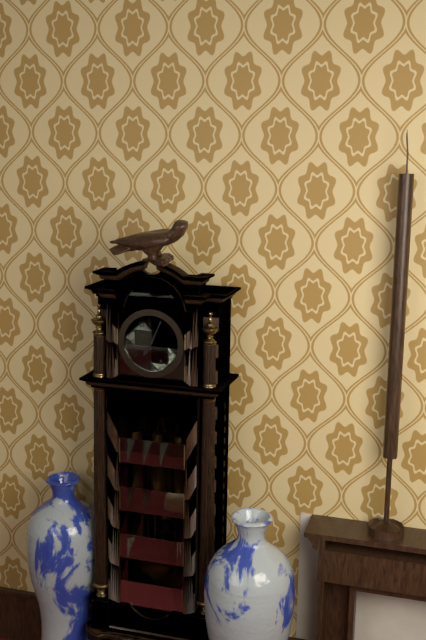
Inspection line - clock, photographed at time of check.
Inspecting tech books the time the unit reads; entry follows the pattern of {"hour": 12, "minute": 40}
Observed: {"hour": 7, "minute": 4}
